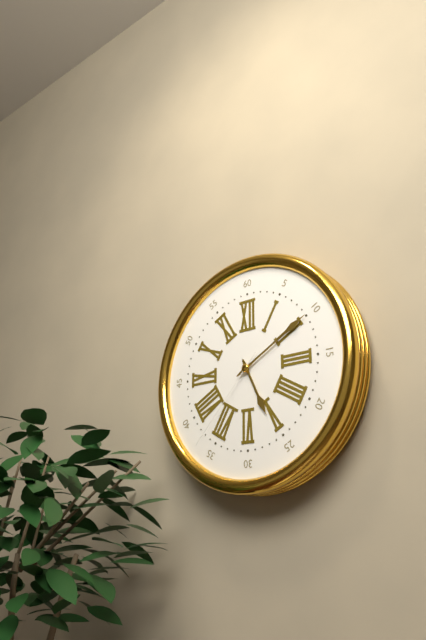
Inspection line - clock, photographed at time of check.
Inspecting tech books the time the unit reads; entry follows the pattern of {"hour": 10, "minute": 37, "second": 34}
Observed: {"hour": 5, "minute": 10, "second": 37}
